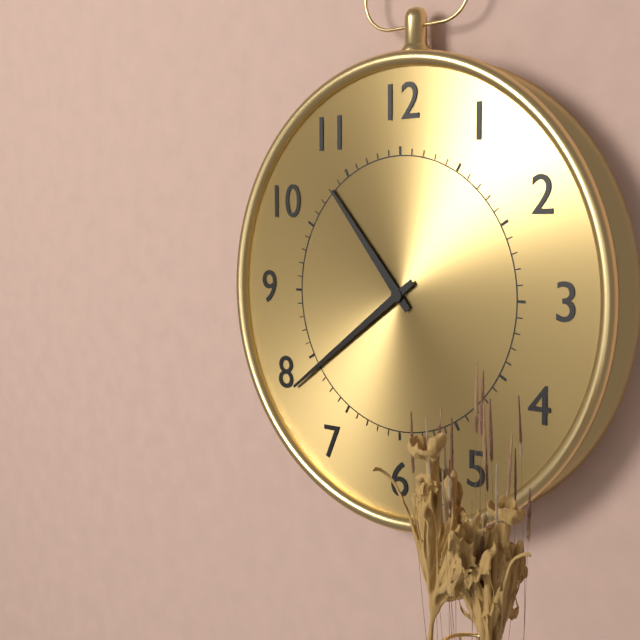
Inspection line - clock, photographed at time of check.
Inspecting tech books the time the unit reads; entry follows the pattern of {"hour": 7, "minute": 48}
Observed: {"hour": 10, "minute": 39}
